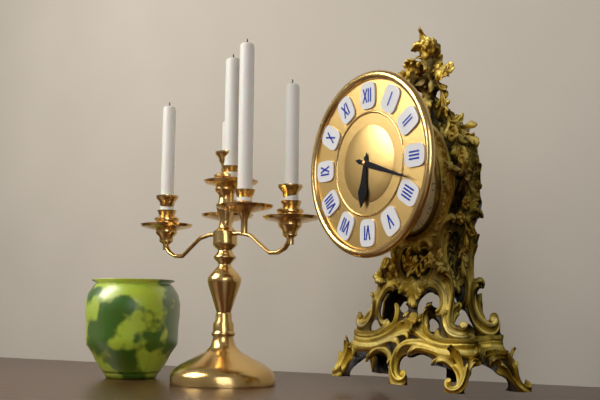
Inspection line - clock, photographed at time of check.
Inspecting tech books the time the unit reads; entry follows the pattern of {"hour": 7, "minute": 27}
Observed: {"hour": 6, "minute": 18}
